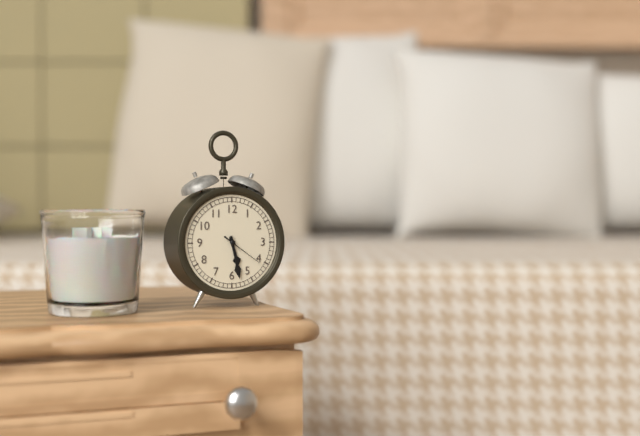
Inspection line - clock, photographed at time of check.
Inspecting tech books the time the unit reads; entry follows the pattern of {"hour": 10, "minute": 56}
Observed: {"hour": 5, "minute": 28}
